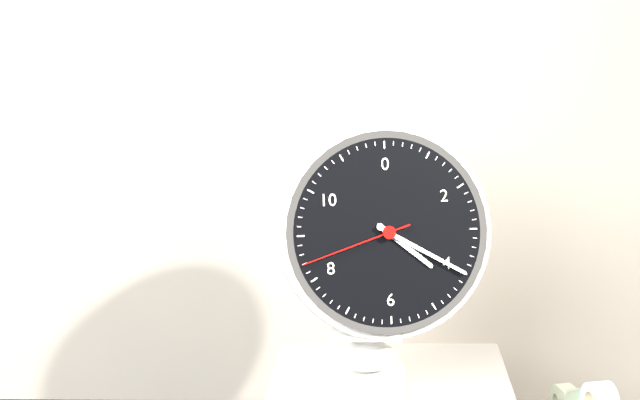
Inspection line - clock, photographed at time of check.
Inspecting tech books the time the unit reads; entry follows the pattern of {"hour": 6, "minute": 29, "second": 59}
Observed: {"hour": 4, "minute": 20, "second": 42}
